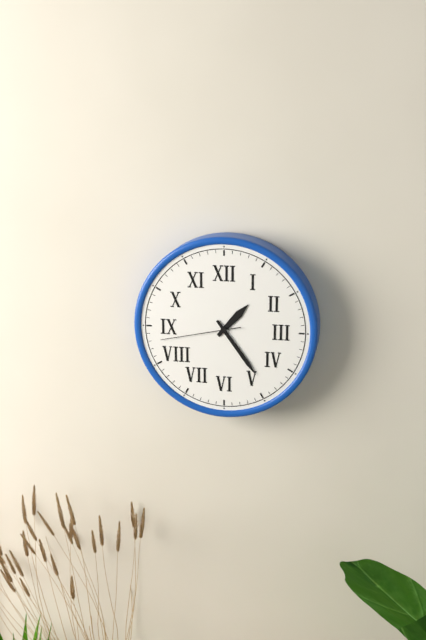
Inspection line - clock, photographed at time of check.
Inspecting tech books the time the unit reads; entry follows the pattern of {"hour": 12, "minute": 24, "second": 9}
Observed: {"hour": 1, "minute": 24, "second": 43}
